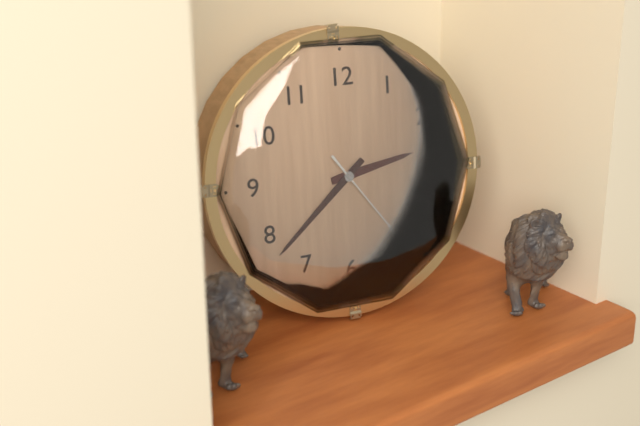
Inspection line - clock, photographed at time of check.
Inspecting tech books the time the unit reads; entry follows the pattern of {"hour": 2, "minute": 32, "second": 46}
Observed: {"hour": 2, "minute": 38, "second": 24}
